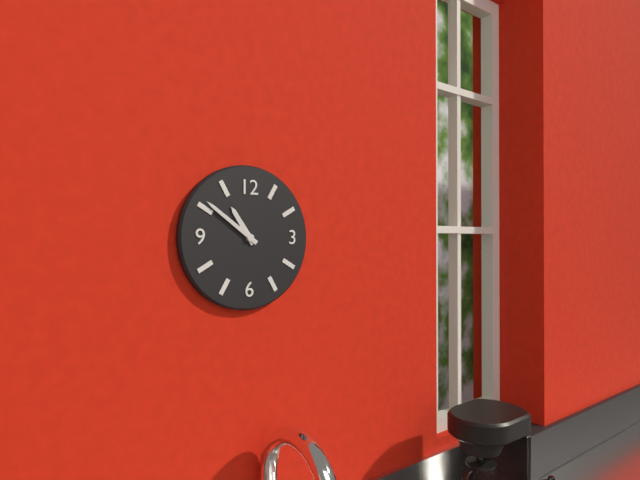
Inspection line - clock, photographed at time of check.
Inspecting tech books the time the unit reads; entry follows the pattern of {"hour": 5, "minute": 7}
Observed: {"hour": 10, "minute": 51}
